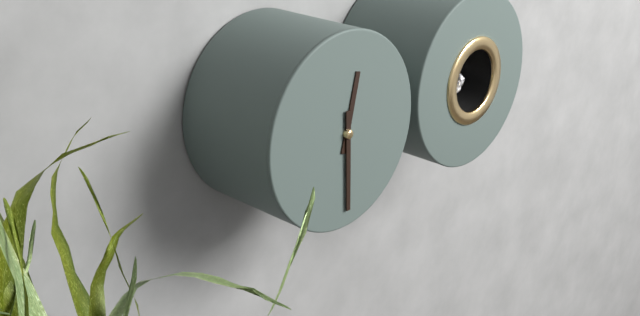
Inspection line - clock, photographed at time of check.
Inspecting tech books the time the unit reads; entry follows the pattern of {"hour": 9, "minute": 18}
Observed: {"hour": 12, "minute": 30}
